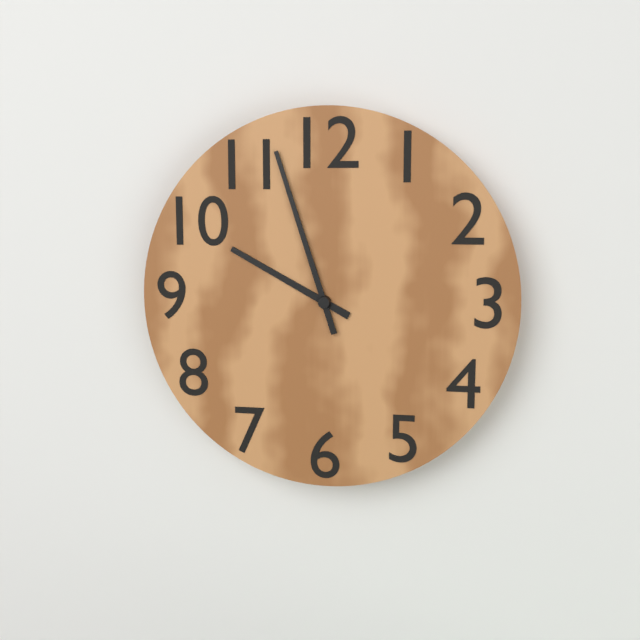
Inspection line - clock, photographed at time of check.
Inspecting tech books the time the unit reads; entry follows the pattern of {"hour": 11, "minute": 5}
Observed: {"hour": 9, "minute": 57}
